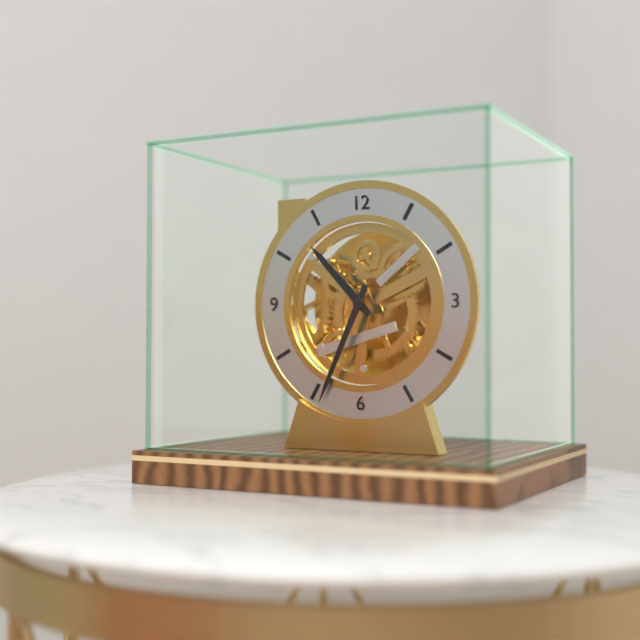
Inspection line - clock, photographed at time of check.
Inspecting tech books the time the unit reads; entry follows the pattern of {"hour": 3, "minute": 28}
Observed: {"hour": 10, "minute": 34}
